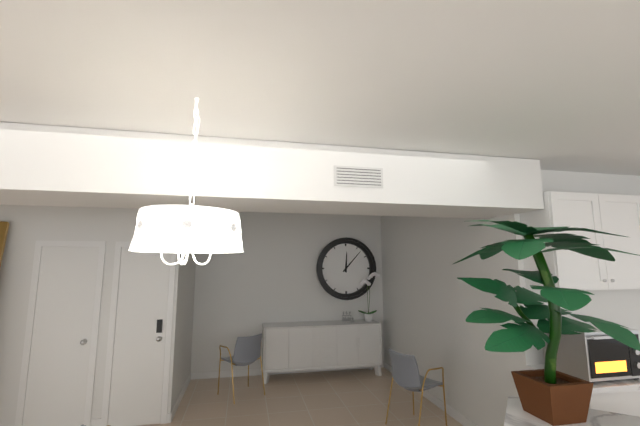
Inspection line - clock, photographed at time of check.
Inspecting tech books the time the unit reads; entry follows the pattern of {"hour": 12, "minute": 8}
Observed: {"hour": 12, "minute": 7}
